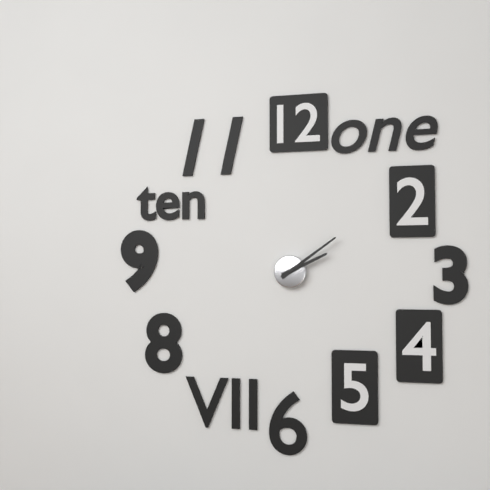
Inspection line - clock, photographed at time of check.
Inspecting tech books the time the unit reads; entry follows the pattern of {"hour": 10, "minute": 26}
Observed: {"hour": 2, "minute": 9}
